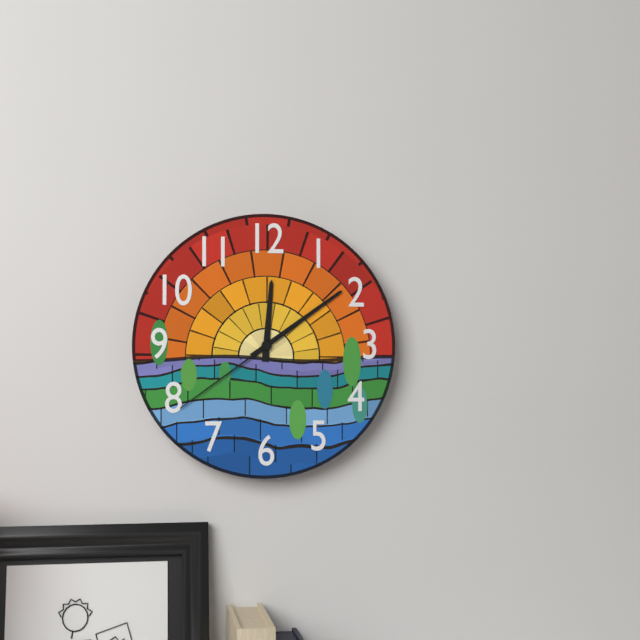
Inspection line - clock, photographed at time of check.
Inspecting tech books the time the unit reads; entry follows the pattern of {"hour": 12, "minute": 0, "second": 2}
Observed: {"hour": 12, "minute": 9, "second": 39}
